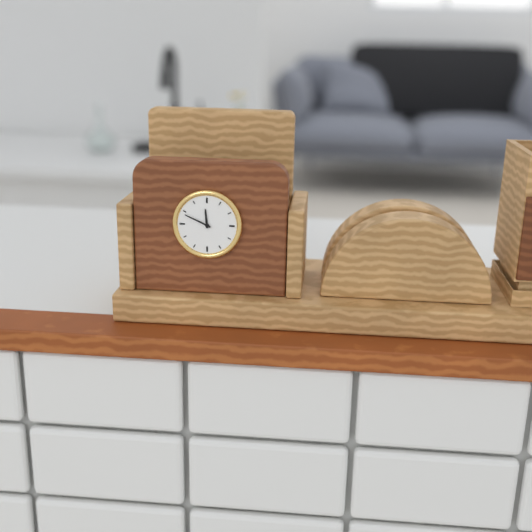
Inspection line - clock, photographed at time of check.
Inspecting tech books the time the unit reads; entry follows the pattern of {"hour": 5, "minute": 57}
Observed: {"hour": 11, "minute": 49}
